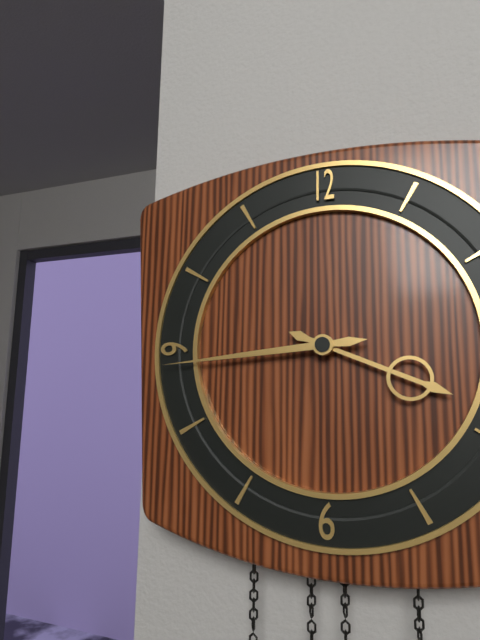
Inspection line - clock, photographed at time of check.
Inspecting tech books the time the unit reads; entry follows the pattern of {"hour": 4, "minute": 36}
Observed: {"hour": 3, "minute": 44}
